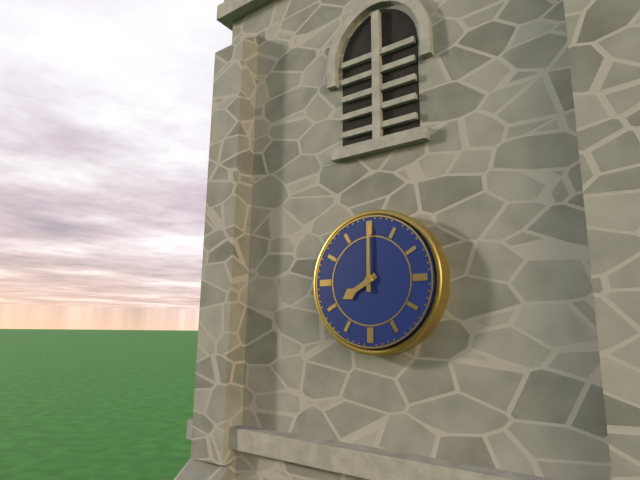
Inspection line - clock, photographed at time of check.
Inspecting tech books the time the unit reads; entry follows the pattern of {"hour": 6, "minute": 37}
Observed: {"hour": 8, "minute": 0}
